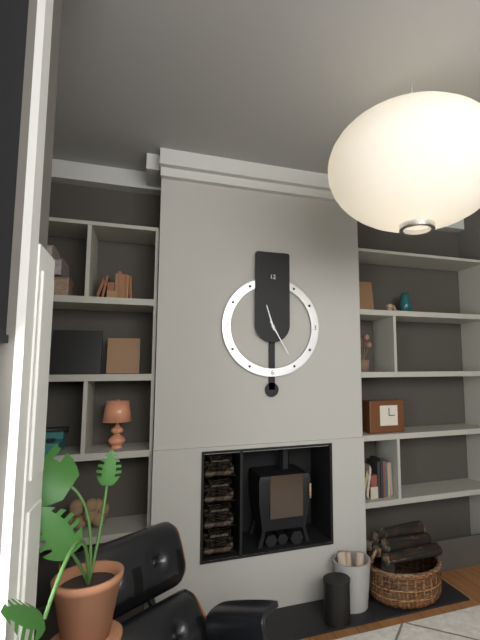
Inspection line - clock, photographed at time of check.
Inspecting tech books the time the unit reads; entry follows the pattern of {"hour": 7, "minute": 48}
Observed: {"hour": 11, "minute": 25}
